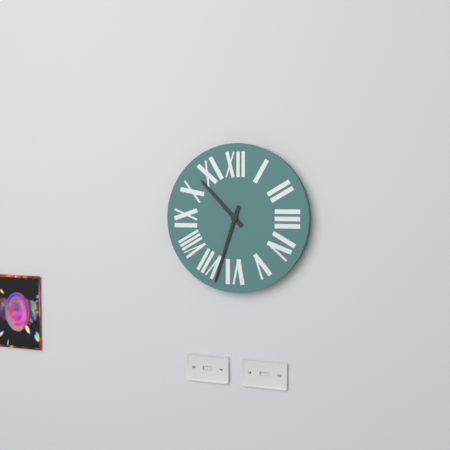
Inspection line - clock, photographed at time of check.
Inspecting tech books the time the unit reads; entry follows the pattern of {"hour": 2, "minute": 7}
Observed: {"hour": 10, "minute": 33}
